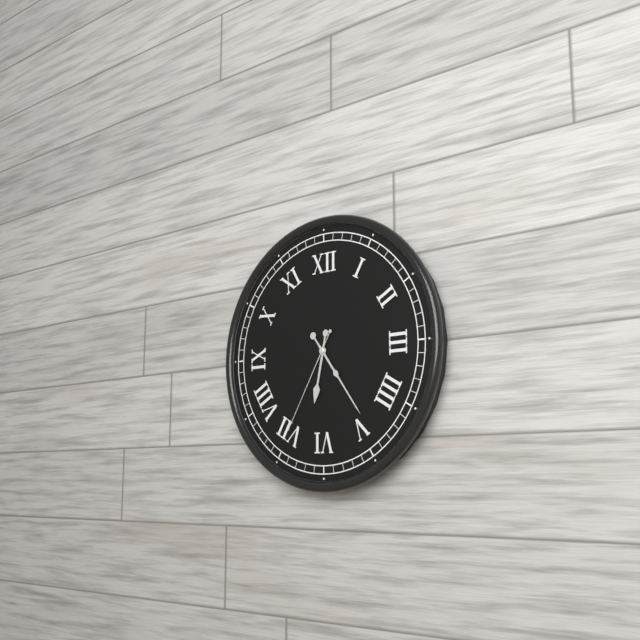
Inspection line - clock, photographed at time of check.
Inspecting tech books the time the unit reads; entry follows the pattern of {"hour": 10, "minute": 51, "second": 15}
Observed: {"hour": 6, "minute": 24, "second": 35}
